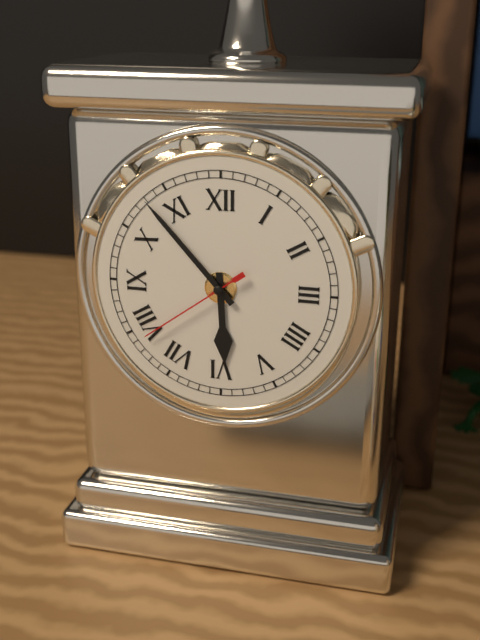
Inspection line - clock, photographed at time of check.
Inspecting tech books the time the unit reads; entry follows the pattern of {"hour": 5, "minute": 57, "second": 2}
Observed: {"hour": 5, "minute": 53, "second": 39}
